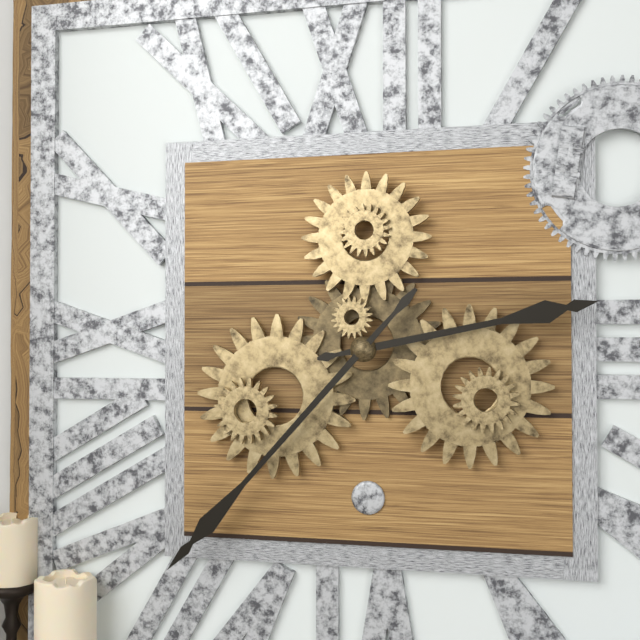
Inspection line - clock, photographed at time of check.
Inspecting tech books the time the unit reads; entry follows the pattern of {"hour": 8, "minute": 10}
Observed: {"hour": 2, "minute": 37}
